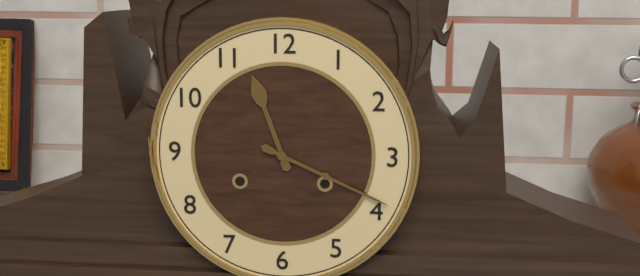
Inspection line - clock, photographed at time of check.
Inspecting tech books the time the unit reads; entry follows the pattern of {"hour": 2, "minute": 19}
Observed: {"hour": 11, "minute": 19}
